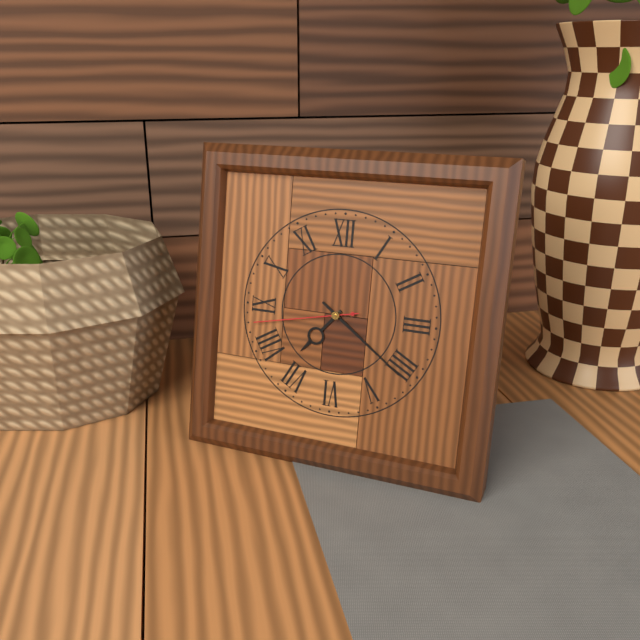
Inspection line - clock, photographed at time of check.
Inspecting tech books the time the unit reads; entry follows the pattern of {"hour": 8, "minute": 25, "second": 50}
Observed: {"hour": 7, "minute": 21, "second": 43}
